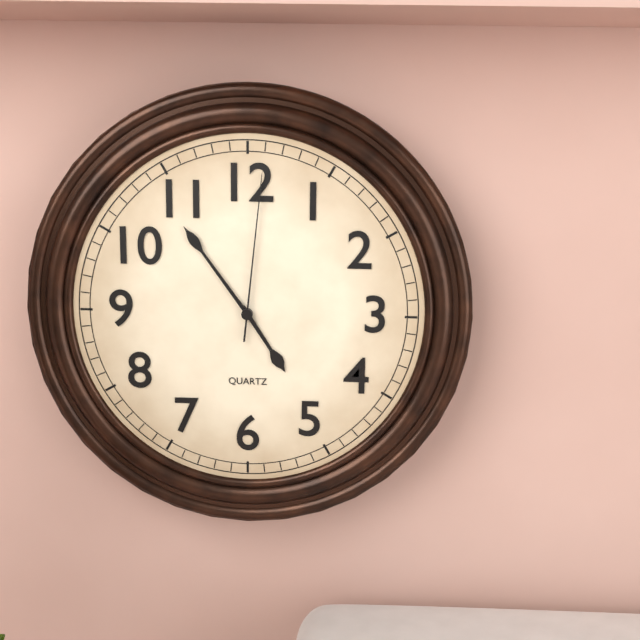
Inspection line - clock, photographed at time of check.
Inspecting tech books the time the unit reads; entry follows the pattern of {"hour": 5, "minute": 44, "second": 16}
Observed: {"hour": 4, "minute": 54, "second": 1}
